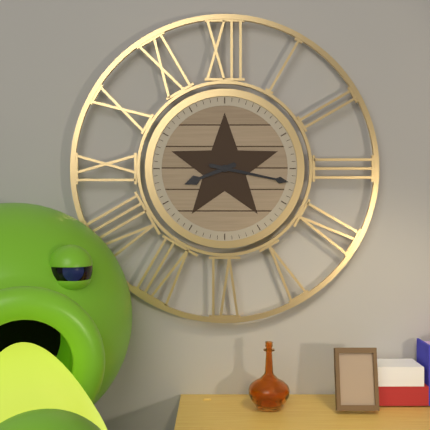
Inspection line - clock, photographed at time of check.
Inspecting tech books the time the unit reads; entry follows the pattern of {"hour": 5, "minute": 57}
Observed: {"hour": 8, "minute": 17}
